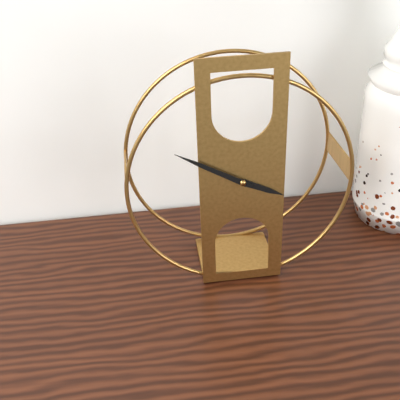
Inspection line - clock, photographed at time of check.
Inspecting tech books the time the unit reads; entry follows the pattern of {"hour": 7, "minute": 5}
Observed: {"hour": 3, "minute": 50}
